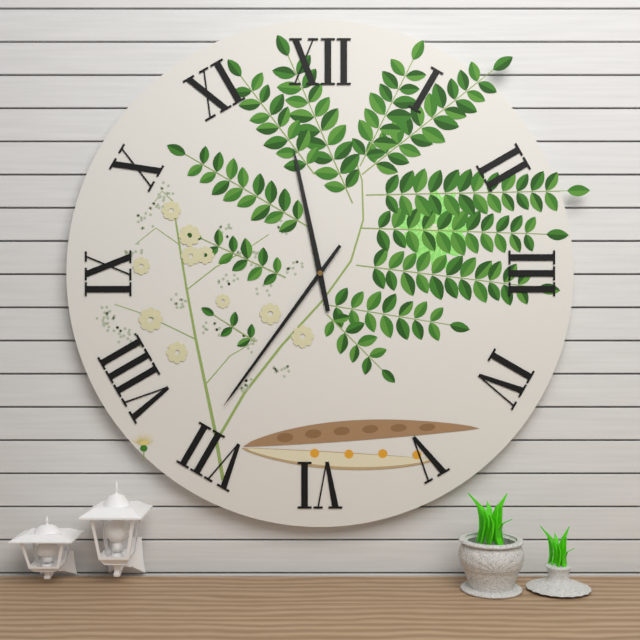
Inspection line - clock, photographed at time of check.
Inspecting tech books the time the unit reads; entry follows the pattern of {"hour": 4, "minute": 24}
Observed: {"hour": 11, "minute": 36}
